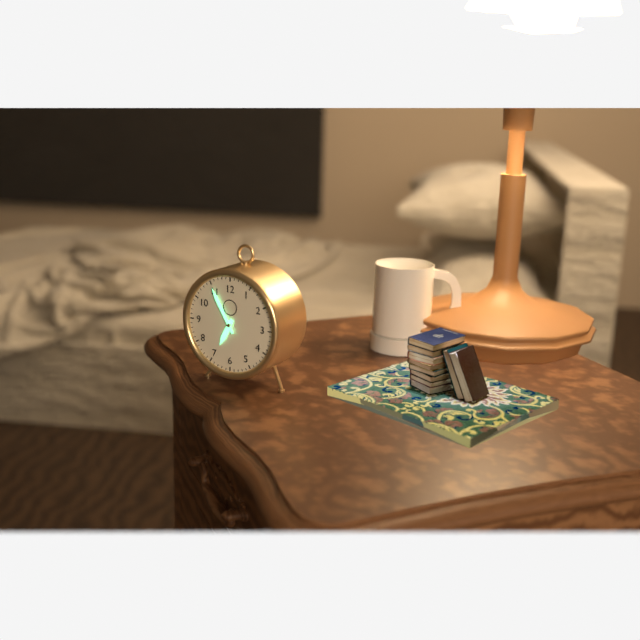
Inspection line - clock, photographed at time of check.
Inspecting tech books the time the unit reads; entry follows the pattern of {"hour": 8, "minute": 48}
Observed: {"hour": 6, "minute": 55}
